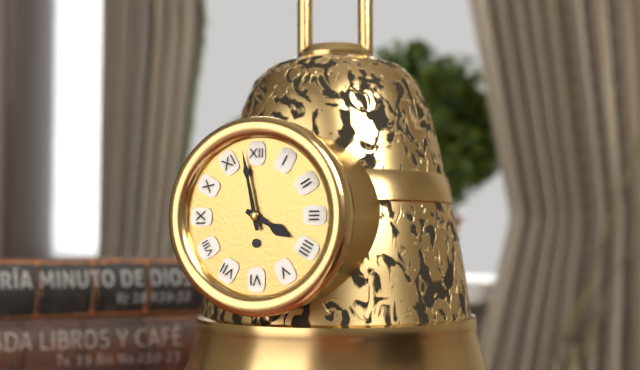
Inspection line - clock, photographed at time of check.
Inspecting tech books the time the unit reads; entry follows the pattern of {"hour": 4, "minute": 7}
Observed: {"hour": 3, "minute": 58}
